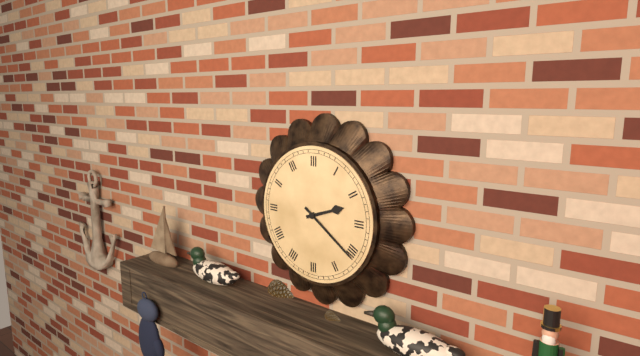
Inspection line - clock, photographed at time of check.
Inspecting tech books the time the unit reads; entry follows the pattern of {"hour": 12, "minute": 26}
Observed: {"hour": 2, "minute": 21}
